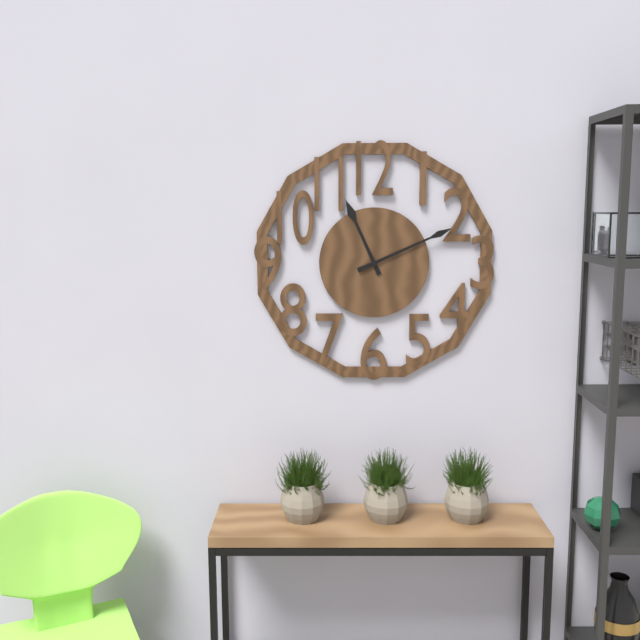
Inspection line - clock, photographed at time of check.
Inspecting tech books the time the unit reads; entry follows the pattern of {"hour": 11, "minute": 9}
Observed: {"hour": 11, "minute": 11}
